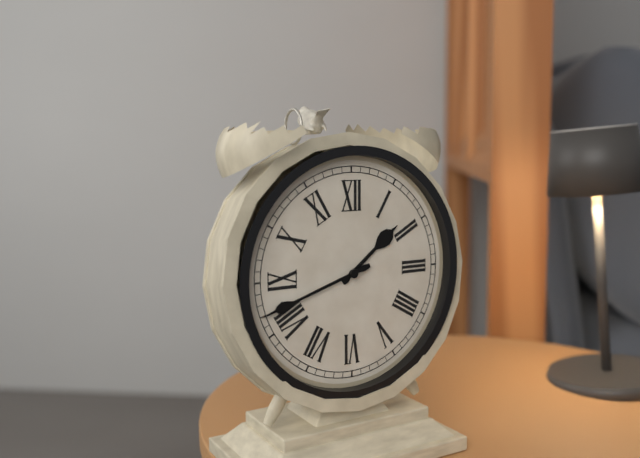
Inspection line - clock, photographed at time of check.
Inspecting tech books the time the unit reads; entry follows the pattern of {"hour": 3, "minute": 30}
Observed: {"hour": 1, "minute": 42}
